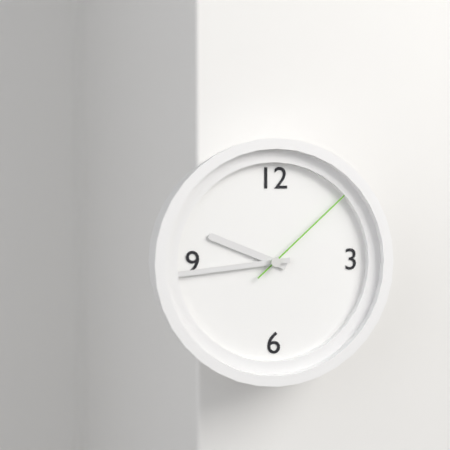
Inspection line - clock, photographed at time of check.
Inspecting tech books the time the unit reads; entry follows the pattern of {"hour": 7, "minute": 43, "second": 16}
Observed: {"hour": 9, "minute": 44, "second": 8}
